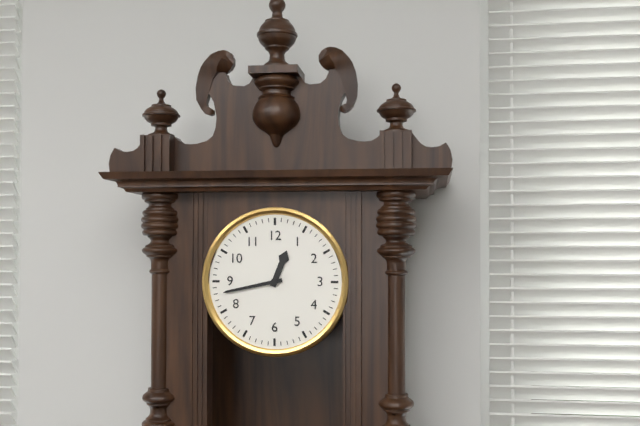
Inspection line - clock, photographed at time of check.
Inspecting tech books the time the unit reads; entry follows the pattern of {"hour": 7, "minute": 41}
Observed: {"hour": 12, "minute": 43}
